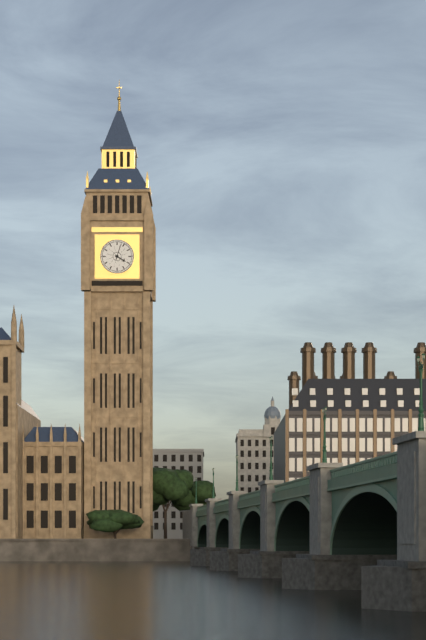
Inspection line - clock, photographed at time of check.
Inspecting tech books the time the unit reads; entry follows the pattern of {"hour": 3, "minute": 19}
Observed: {"hour": 4, "minute": 3}
